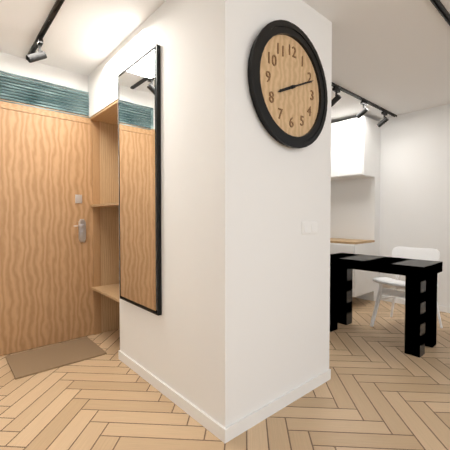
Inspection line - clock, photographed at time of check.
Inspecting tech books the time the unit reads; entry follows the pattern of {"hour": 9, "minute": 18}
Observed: {"hour": 8, "minute": 11}
